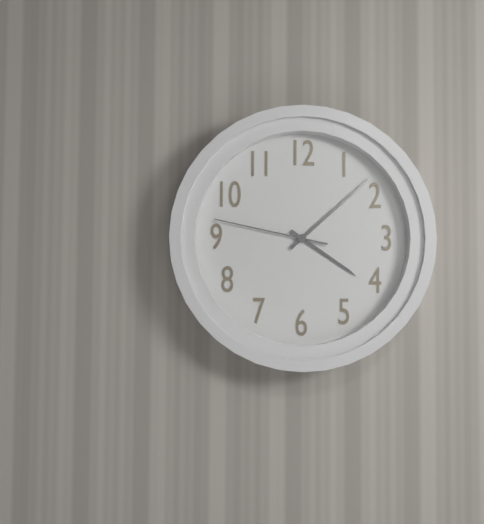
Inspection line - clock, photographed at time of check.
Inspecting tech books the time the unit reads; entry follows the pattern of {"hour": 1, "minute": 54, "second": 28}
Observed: {"hour": 4, "minute": 8, "second": 47}
